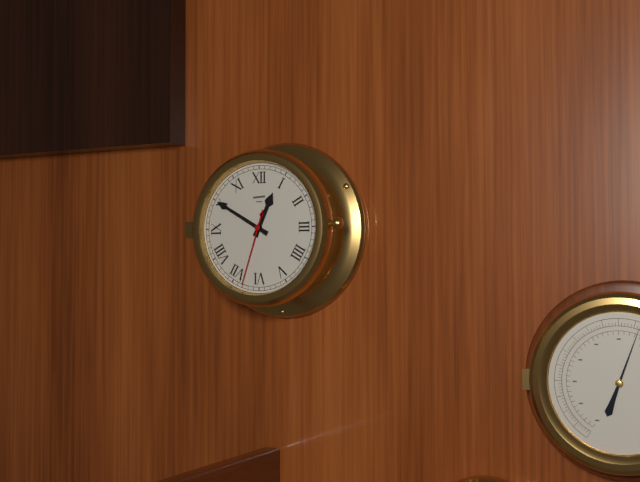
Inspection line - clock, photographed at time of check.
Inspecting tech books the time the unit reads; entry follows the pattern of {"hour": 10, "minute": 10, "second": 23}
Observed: {"hour": 12, "minute": 50, "second": 33}
